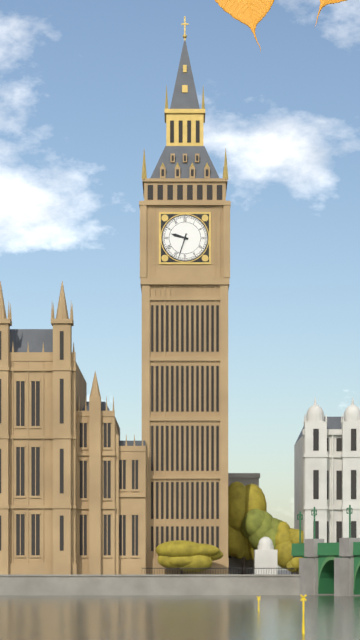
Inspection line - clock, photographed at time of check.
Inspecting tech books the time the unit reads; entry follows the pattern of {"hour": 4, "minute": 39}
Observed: {"hour": 9, "minute": 33}
